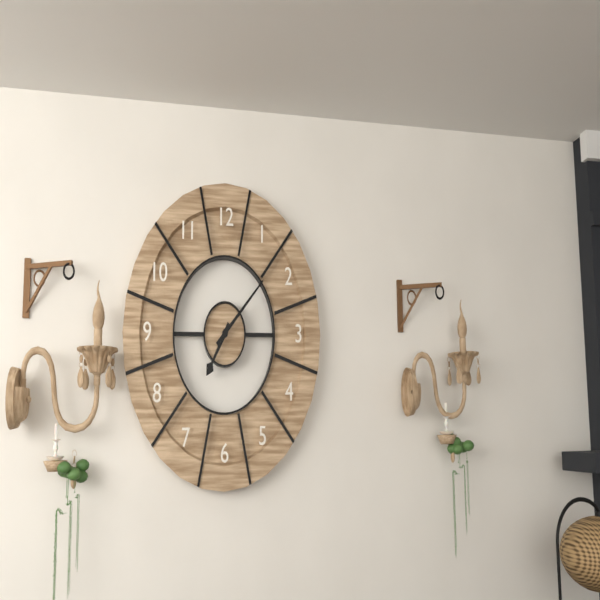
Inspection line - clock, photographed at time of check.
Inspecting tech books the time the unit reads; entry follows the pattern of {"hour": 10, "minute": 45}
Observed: {"hour": 7, "minute": 8}
